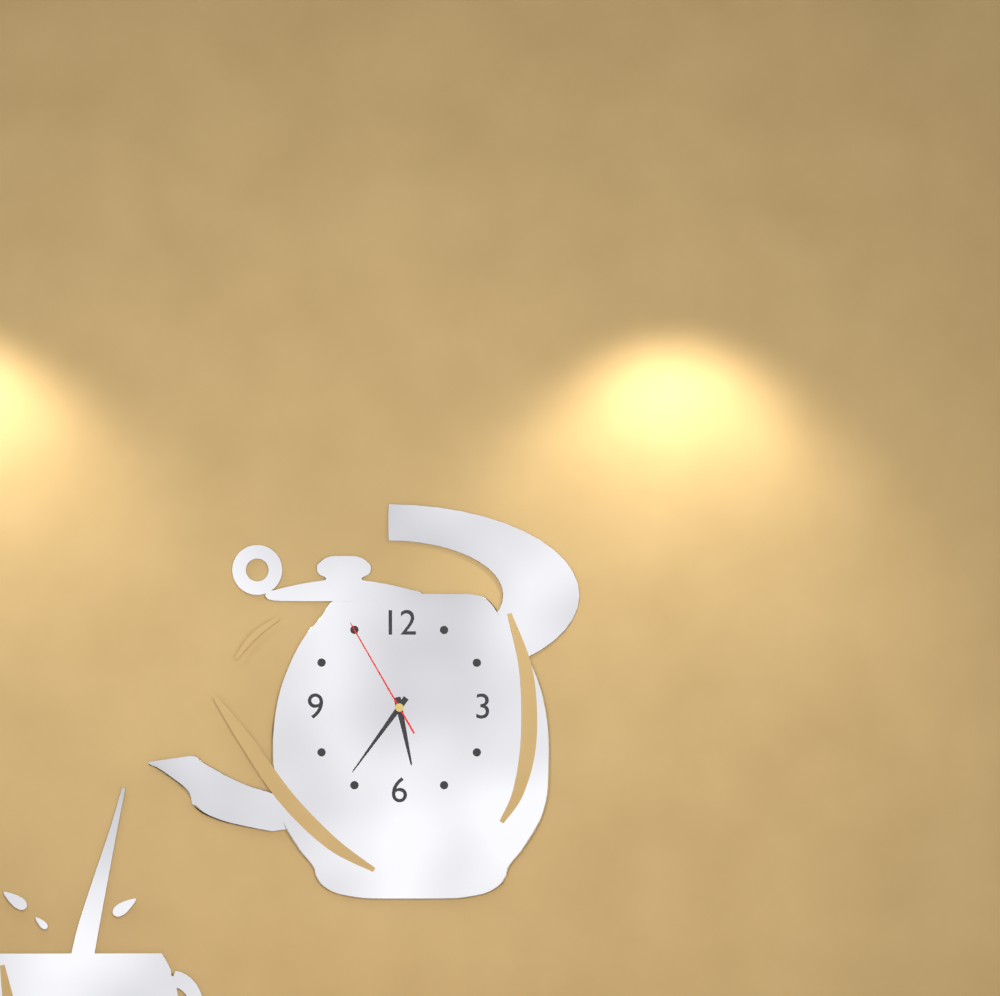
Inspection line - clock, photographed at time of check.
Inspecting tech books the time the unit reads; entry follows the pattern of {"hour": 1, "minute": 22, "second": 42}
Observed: {"hour": 5, "minute": 36, "second": 55}
